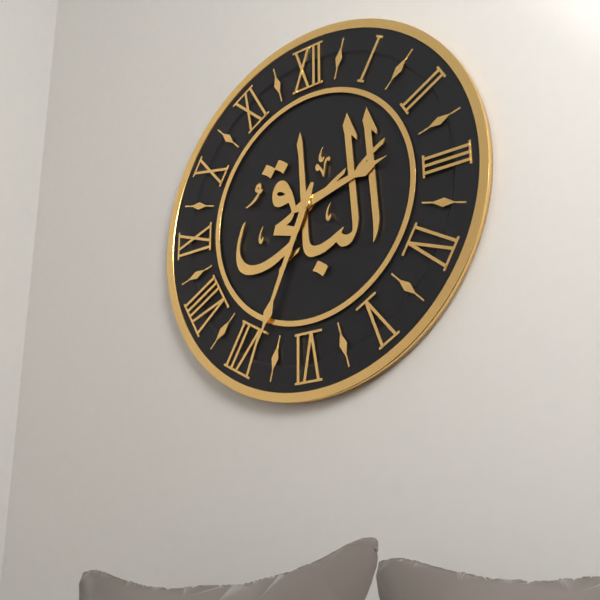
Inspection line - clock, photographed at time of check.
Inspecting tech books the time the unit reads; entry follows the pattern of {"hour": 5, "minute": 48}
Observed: {"hour": 2, "minute": 34}
